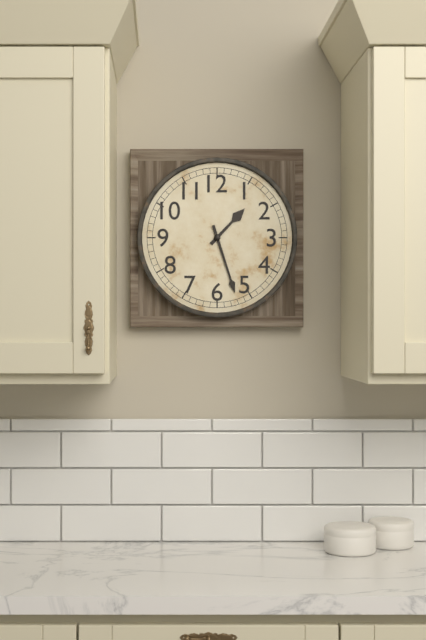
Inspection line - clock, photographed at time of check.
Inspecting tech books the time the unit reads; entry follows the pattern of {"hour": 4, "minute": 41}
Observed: {"hour": 1, "minute": 27}
